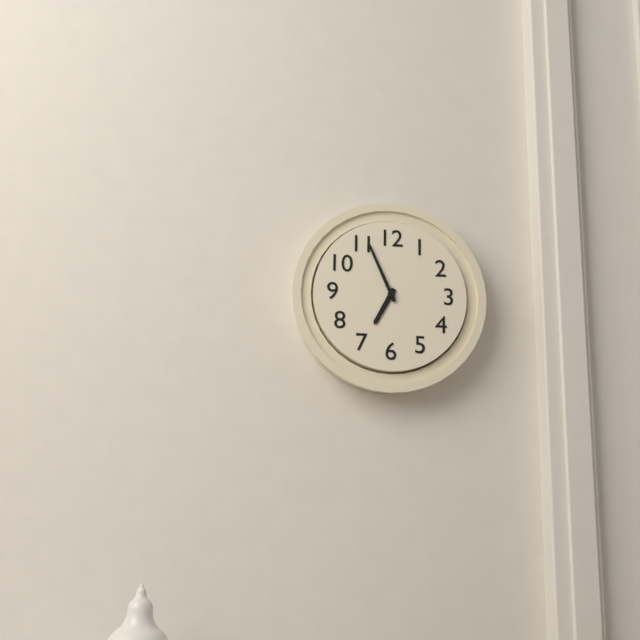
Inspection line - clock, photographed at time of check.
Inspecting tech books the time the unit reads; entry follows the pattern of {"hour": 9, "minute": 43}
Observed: {"hour": 6, "minute": 56}
